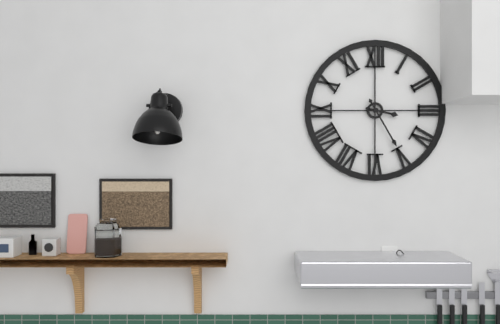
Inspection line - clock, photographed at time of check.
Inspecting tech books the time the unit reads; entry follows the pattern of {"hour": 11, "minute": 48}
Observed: {"hour": 3, "minute": 25}
